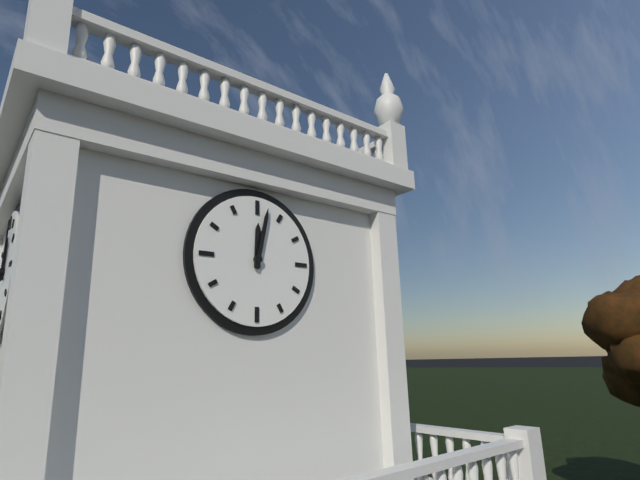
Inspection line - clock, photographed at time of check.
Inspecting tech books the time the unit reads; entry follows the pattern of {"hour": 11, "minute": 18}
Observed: {"hour": 12, "minute": 2}
